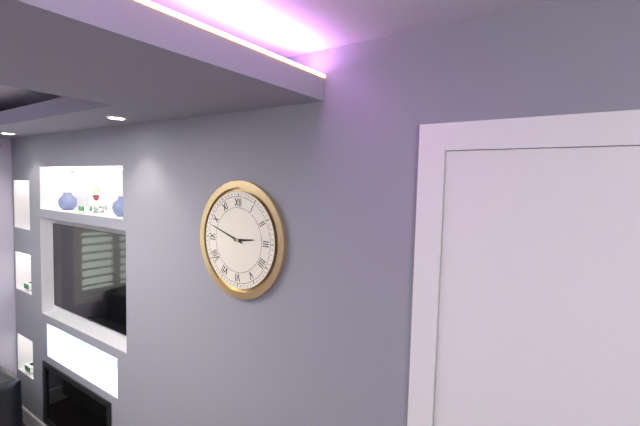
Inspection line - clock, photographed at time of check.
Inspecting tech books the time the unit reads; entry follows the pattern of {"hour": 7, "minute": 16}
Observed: {"hour": 2, "minute": 48}
